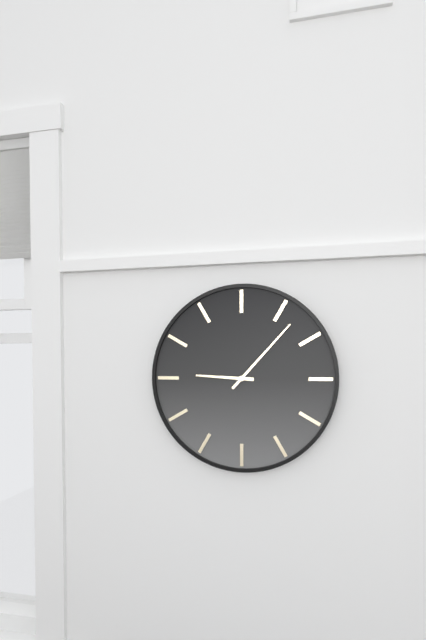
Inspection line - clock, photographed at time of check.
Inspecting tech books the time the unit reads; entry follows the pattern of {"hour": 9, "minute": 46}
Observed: {"hour": 9, "minute": 7}
